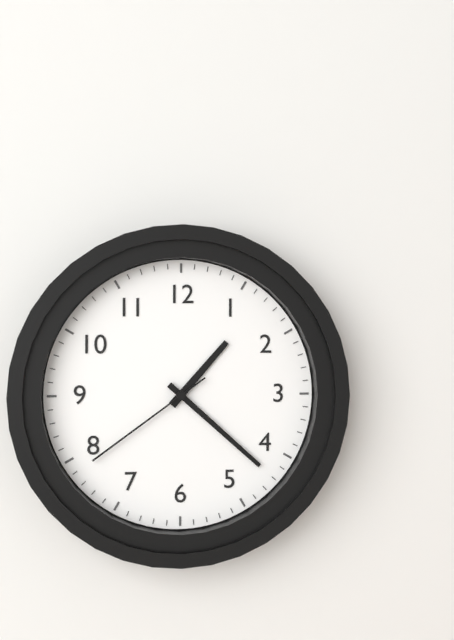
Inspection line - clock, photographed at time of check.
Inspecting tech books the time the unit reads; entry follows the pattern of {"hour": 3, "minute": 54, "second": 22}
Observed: {"hour": 1, "minute": 22, "second": 39}
